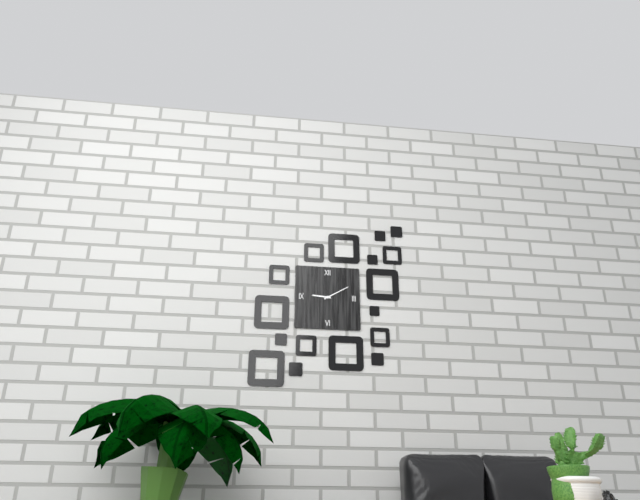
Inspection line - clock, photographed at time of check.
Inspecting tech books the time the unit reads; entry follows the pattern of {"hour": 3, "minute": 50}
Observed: {"hour": 9, "minute": 10}
